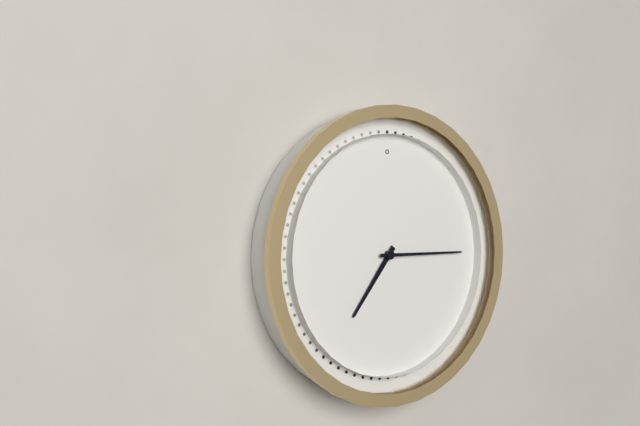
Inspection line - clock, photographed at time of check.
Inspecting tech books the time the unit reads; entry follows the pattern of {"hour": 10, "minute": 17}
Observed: {"hour": 7, "minute": 15}
